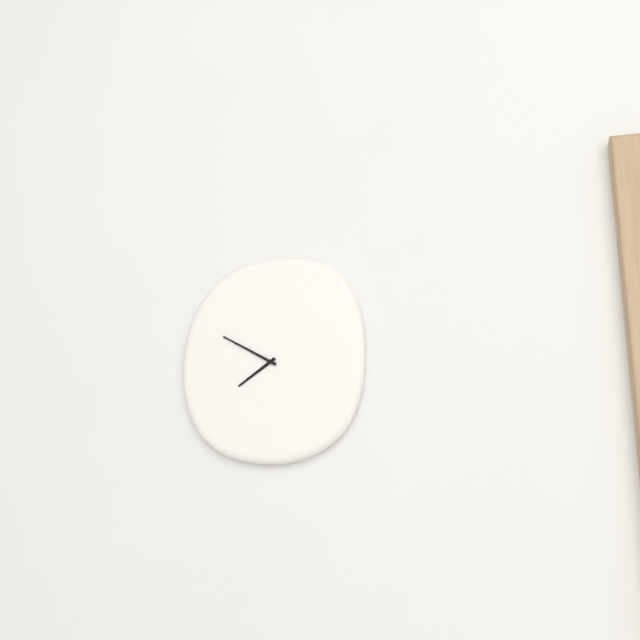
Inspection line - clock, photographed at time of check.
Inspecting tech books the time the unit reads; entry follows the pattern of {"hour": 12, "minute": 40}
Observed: {"hour": 7, "minute": 50}
